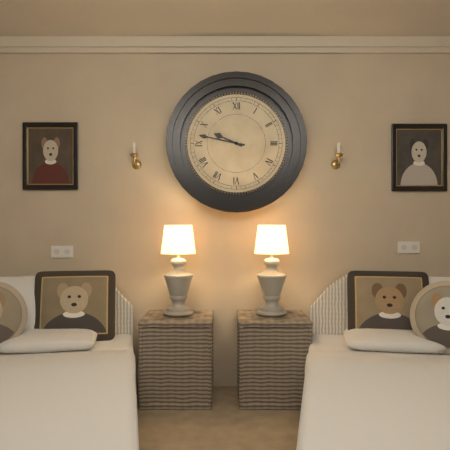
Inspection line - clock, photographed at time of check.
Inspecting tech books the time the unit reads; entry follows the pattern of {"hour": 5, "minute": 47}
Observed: {"hour": 9, "minute": 47}
